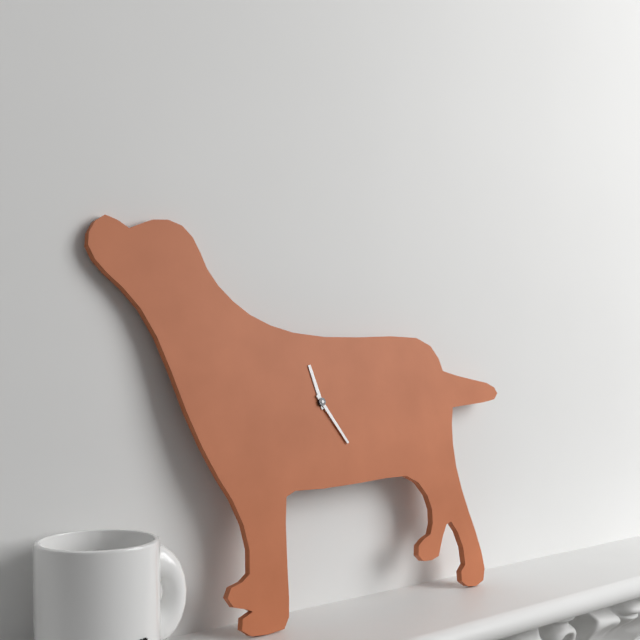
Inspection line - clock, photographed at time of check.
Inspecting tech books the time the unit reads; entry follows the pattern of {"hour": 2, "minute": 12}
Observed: {"hour": 11, "minute": 24}
